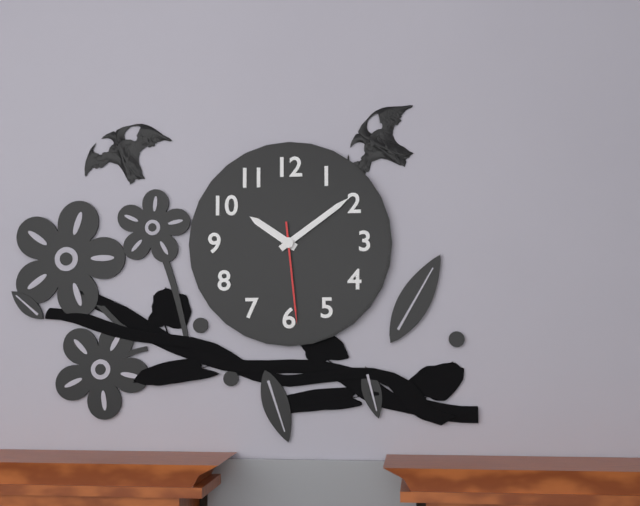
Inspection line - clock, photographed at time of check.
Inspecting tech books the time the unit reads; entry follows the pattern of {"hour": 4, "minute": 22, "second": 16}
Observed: {"hour": 10, "minute": 9, "second": 29}
